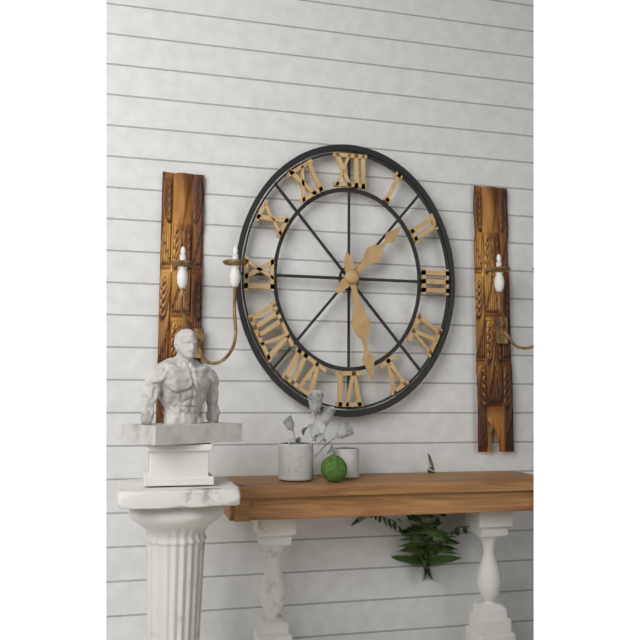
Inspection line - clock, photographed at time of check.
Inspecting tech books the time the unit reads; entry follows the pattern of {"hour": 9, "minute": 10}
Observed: {"hour": 1, "minute": 28}
